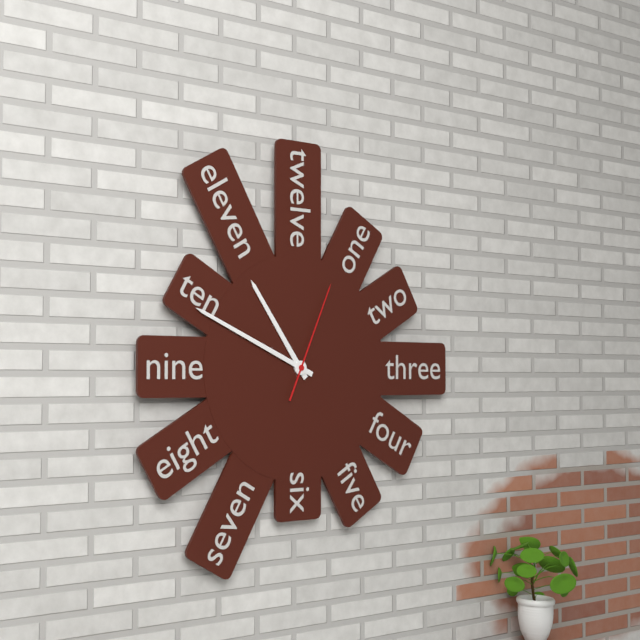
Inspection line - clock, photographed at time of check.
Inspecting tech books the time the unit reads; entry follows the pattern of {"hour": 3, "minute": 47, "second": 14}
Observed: {"hour": 10, "minute": 49, "second": 4}
